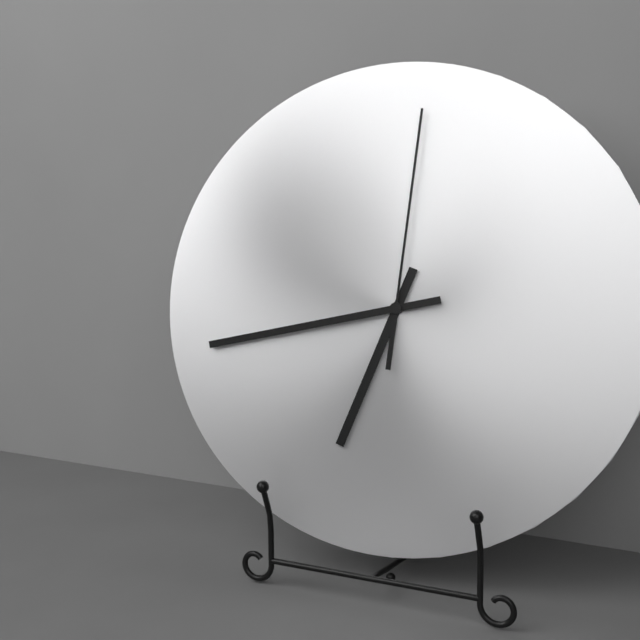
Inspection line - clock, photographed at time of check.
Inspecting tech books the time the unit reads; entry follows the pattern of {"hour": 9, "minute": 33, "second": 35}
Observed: {"hour": 6, "minute": 43, "second": 1}
